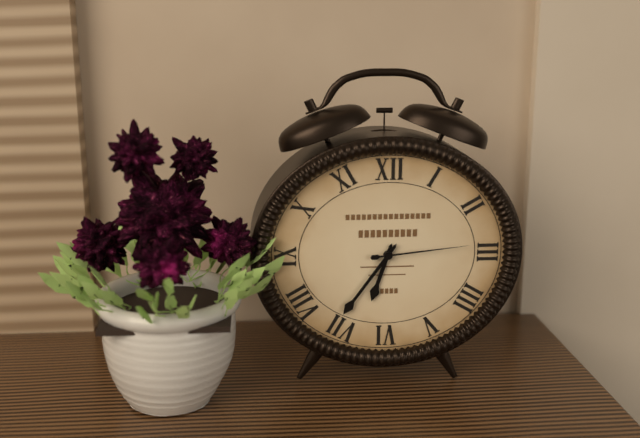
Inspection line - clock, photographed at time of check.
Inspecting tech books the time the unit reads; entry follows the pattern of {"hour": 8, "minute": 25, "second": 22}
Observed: {"hour": 6, "minute": 36, "second": 14}
